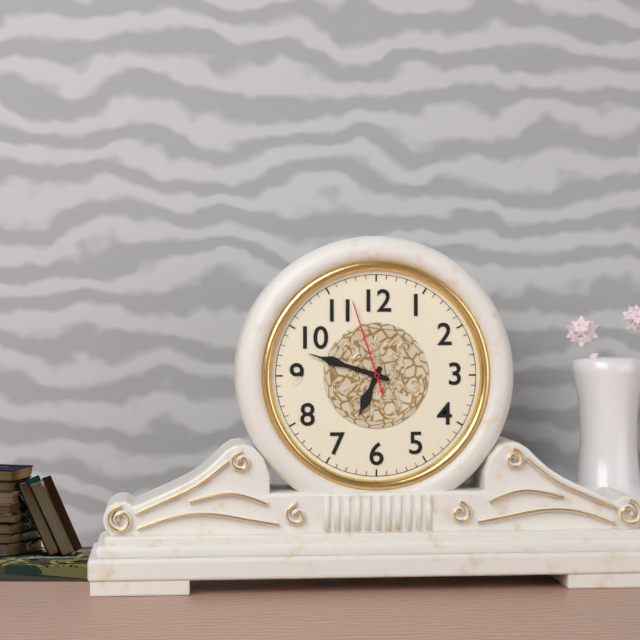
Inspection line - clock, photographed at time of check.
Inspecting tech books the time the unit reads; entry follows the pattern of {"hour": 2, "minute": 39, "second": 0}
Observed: {"hour": 6, "minute": 48, "second": 57}
